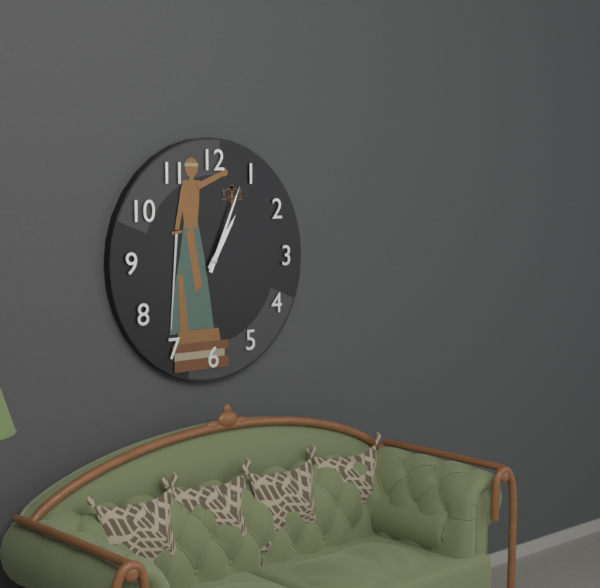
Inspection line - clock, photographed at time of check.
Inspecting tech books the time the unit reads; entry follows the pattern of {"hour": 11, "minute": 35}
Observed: {"hour": 1, "minute": 4}
